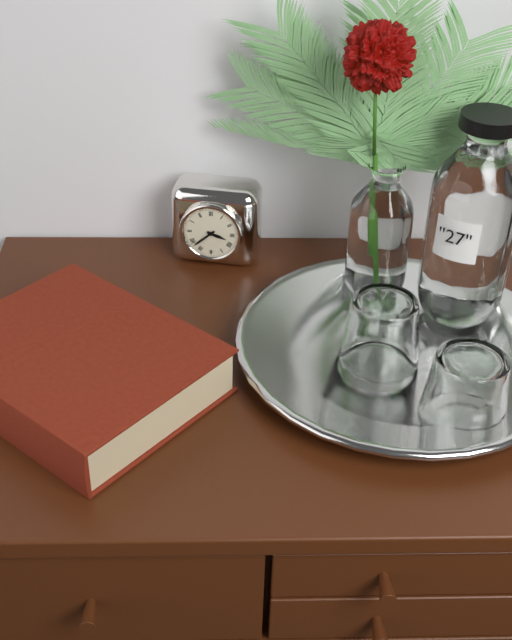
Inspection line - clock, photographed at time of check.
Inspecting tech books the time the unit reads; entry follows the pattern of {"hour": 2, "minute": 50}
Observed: {"hour": 3, "minute": 38}
